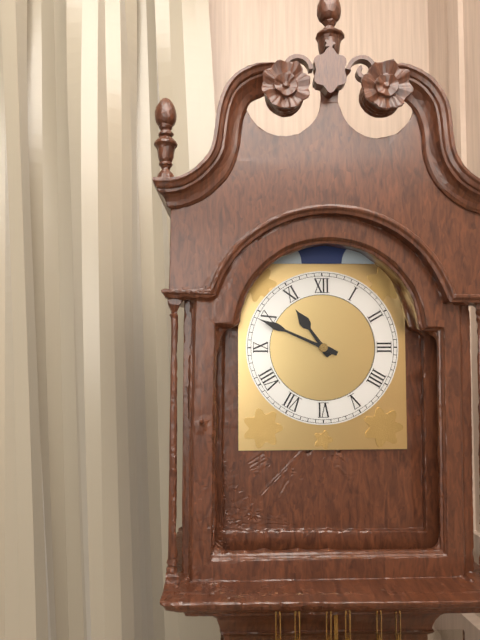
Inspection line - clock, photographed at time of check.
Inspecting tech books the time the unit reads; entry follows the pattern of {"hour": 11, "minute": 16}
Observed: {"hour": 10, "minute": 49}
